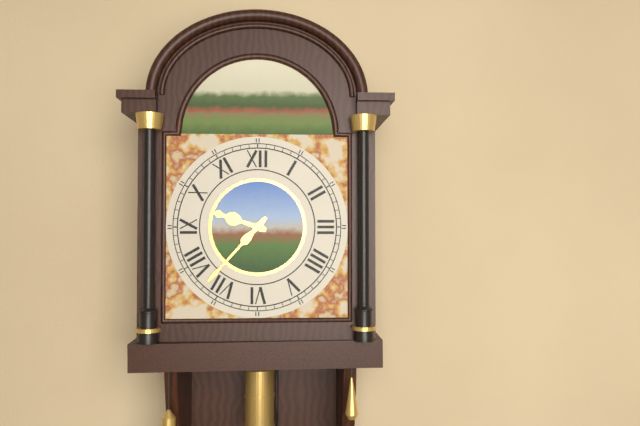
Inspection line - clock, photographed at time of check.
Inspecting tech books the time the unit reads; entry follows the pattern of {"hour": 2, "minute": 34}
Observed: {"hour": 9, "minute": 37}
